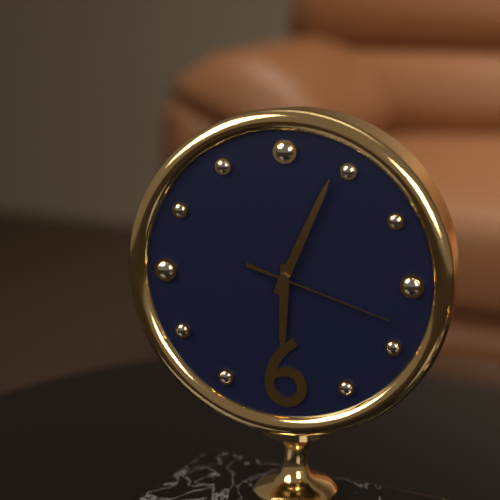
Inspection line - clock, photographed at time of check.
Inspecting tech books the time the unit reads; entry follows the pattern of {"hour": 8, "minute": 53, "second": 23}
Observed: {"hour": 6, "minute": 4, "second": 18}
